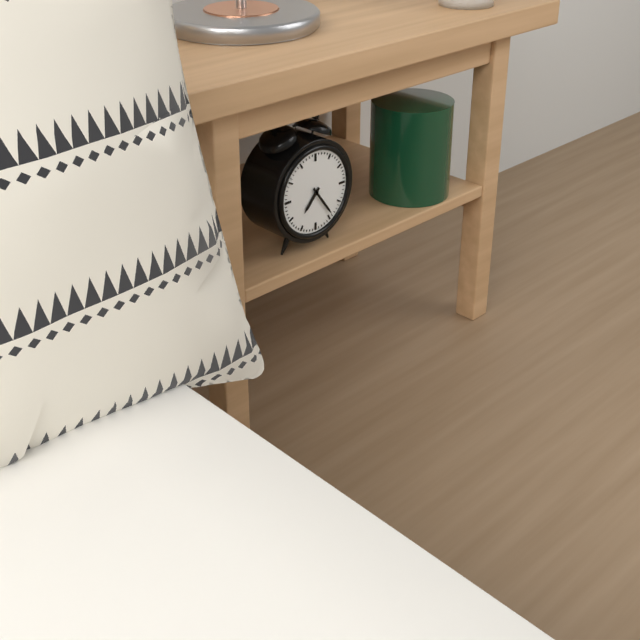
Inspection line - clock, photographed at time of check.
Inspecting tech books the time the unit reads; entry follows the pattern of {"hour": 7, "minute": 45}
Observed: {"hour": 7, "minute": 24}
